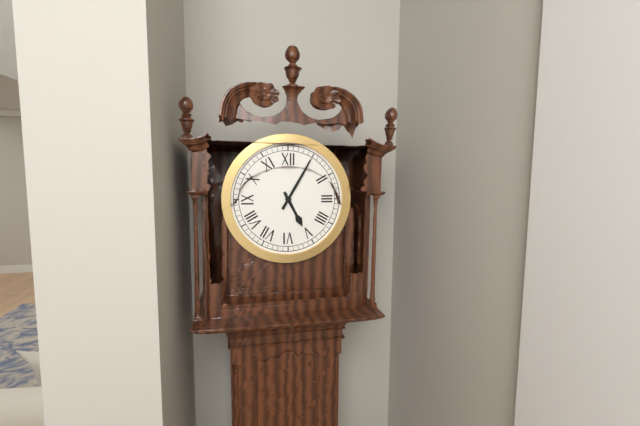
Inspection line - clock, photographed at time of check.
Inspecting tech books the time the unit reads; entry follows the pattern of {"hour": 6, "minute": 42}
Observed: {"hour": 5, "minute": 5}
